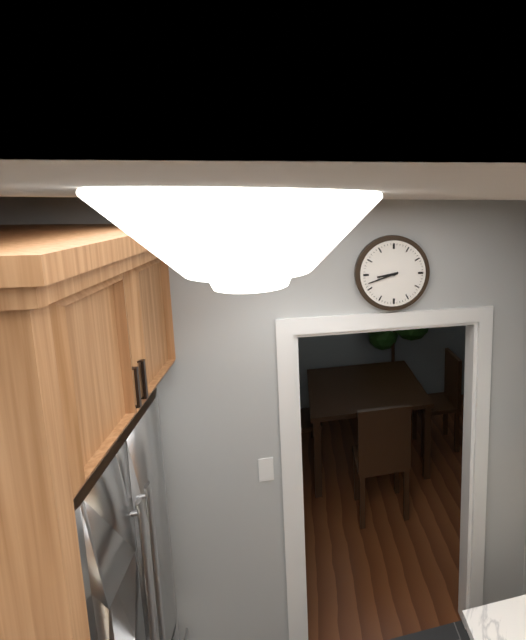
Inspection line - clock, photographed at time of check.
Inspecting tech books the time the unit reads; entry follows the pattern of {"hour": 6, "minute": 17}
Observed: {"hour": 8, "minute": 42}
